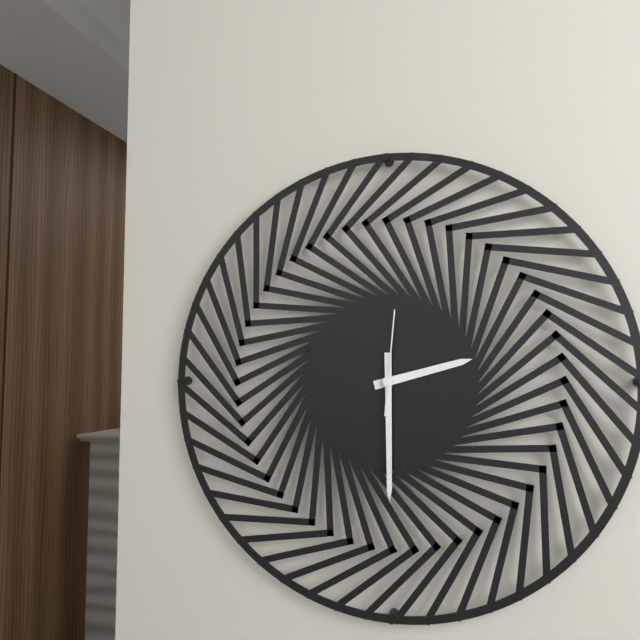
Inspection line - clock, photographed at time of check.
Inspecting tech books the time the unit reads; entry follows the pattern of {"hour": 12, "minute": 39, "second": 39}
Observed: {"hour": 2, "minute": 30, "second": 1}
